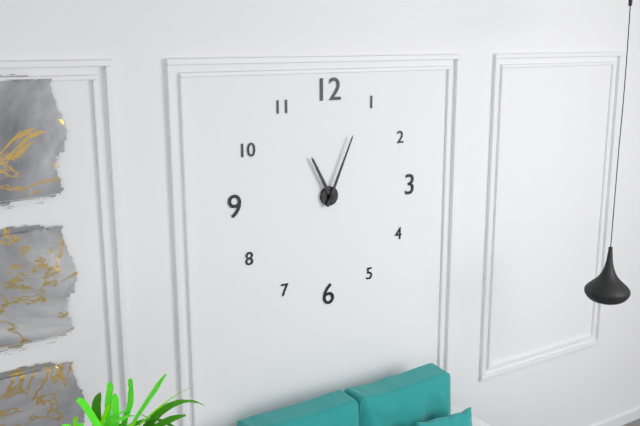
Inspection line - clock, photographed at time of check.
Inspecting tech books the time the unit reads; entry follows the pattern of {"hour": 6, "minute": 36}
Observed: {"hour": 11, "minute": 4}
